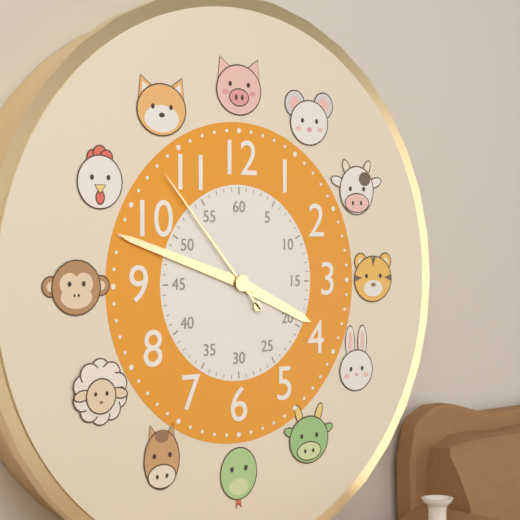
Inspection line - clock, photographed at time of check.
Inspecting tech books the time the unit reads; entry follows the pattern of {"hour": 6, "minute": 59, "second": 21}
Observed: {"hour": 3, "minute": 48, "second": 53}
